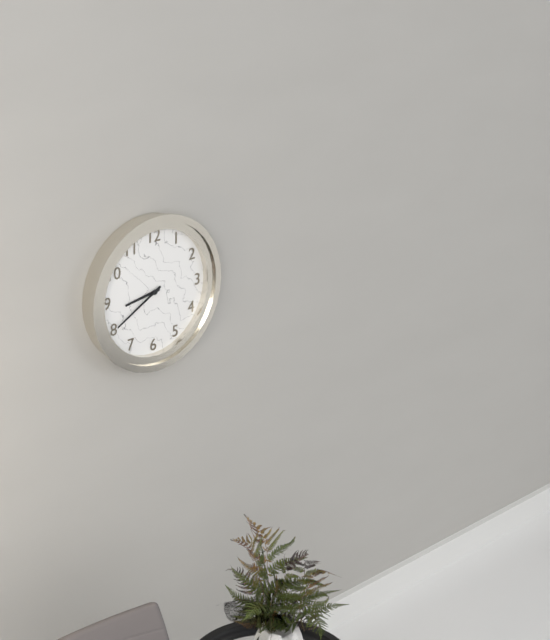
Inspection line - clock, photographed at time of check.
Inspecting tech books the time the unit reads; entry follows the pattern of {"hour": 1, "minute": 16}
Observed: {"hour": 8, "minute": 40}
